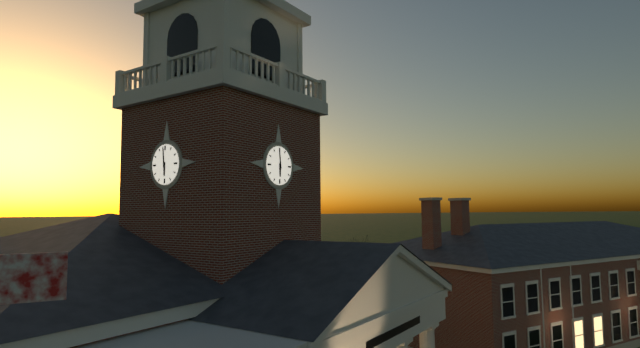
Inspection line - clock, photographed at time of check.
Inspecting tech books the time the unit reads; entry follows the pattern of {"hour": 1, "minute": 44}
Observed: {"hour": 5, "minute": 59}
